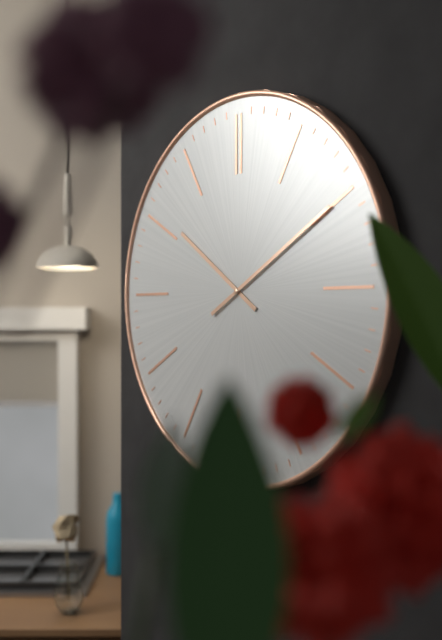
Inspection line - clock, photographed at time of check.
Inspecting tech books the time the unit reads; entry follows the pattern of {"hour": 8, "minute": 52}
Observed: {"hour": 10, "minute": 10}
